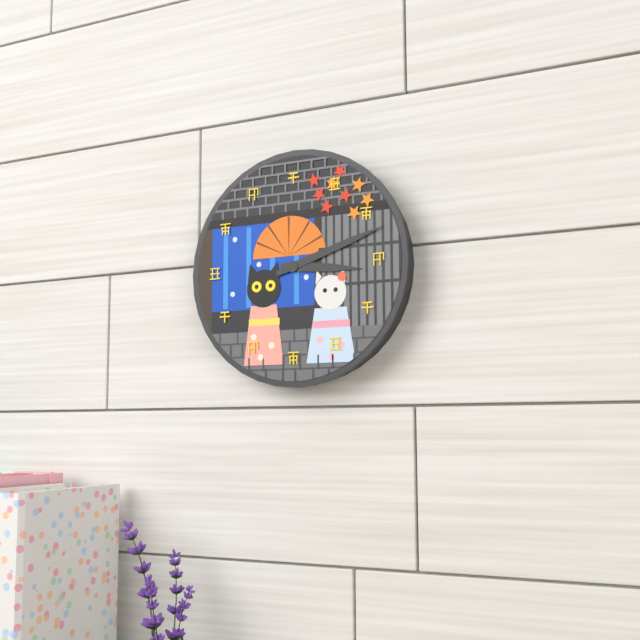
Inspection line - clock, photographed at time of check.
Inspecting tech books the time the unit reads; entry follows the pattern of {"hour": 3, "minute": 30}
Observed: {"hour": 3, "minute": 12}
